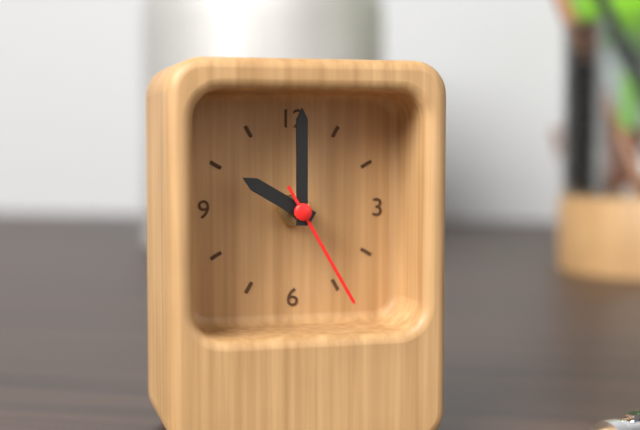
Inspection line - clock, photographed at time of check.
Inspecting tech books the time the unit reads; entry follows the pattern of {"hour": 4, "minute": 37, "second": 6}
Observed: {"hour": 10, "minute": 0, "second": 25}
